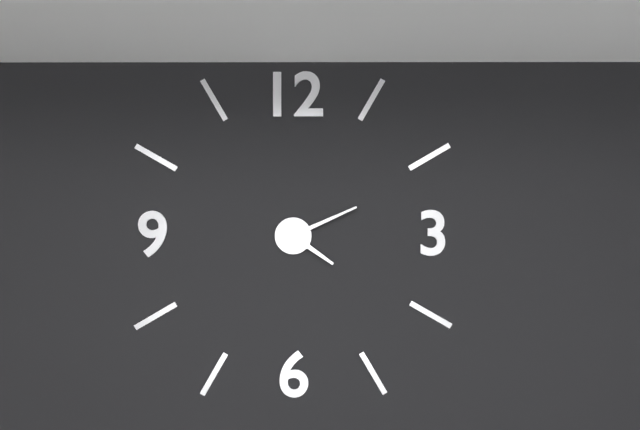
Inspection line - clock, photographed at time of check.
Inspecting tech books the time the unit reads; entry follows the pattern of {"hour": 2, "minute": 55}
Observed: {"hour": 4, "minute": 11}
